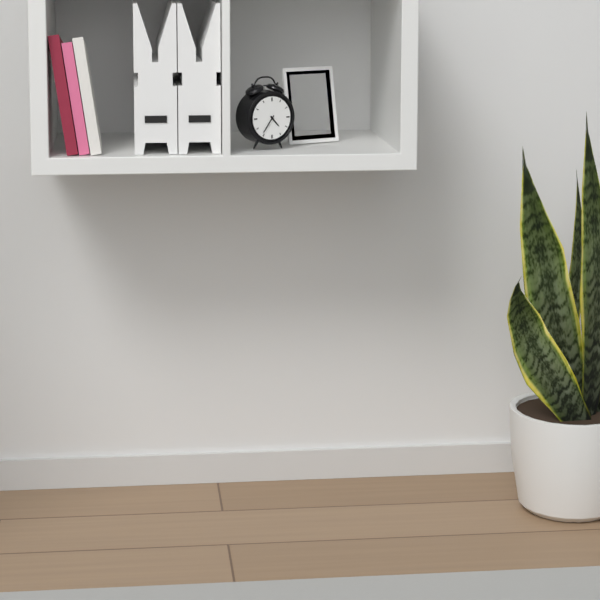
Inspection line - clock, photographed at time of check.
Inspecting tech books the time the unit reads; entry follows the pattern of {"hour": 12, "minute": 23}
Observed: {"hour": 4, "minute": 36}
